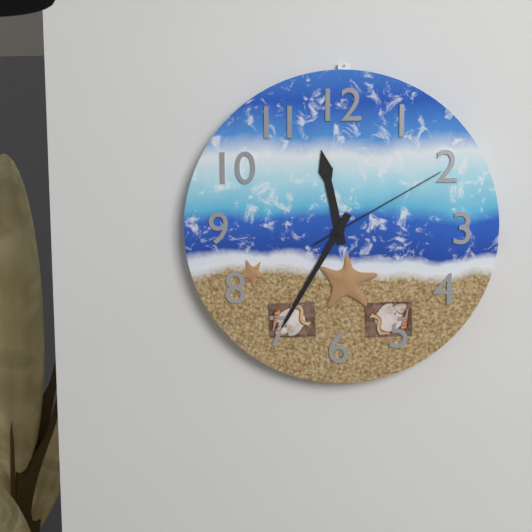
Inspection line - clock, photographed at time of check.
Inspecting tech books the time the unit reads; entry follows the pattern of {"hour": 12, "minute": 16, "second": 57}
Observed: {"hour": 11, "minute": 35, "second": 10}
